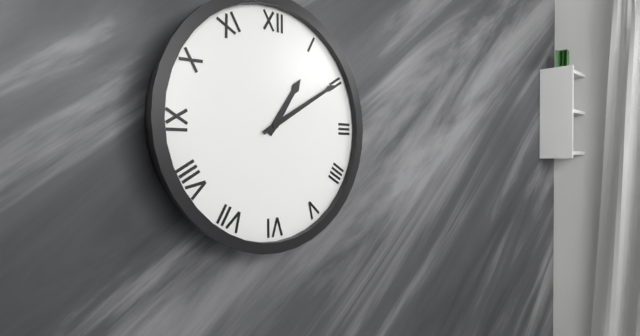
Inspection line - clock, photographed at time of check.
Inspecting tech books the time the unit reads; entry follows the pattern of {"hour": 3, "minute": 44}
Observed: {"hour": 1, "minute": 10}
